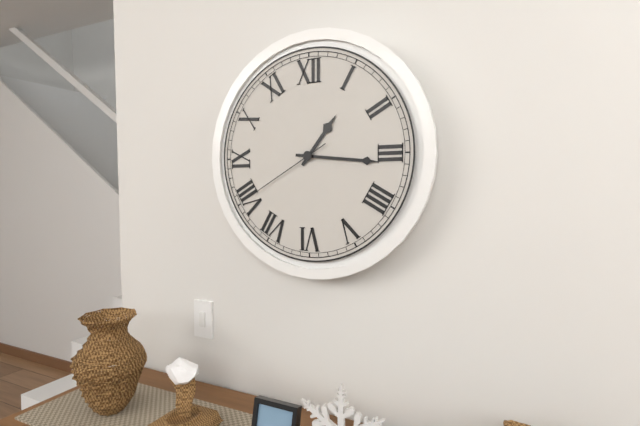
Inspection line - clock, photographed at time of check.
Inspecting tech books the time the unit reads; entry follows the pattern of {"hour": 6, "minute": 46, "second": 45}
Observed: {"hour": 1, "minute": 16, "second": 40}
